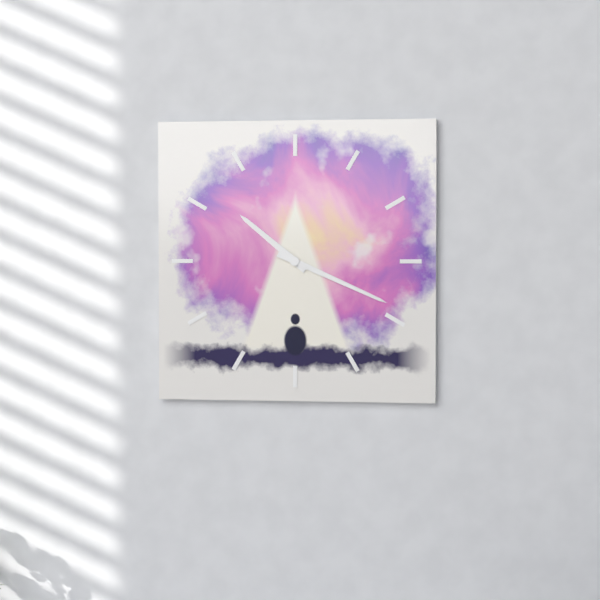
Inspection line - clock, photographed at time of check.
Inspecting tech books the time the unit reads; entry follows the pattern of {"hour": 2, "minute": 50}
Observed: {"hour": 10, "minute": 19}
